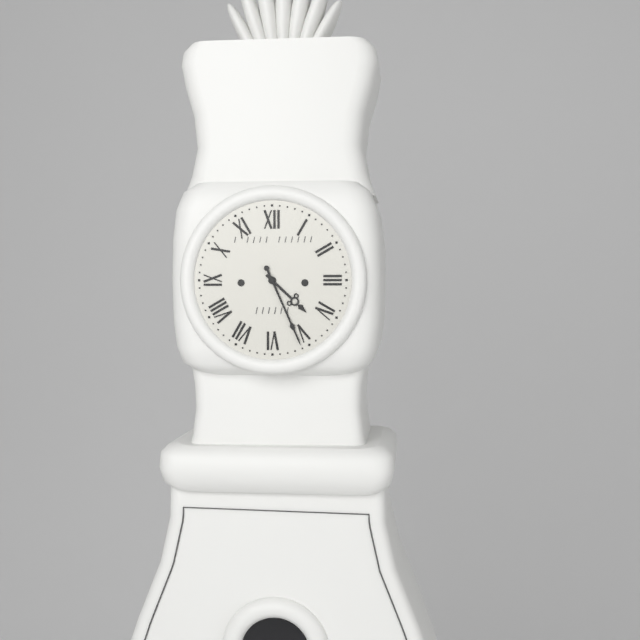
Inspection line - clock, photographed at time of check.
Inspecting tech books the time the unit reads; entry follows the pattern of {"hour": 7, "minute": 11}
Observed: {"hour": 4, "minute": 26}
